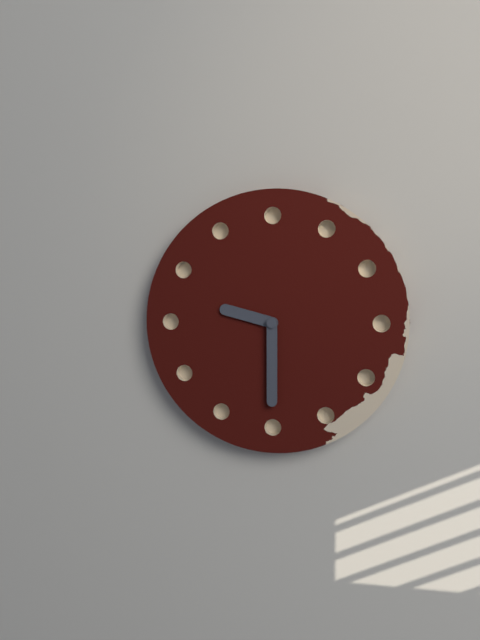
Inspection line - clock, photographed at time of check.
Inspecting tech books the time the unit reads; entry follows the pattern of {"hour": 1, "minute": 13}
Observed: {"hour": 9, "minute": 30}
